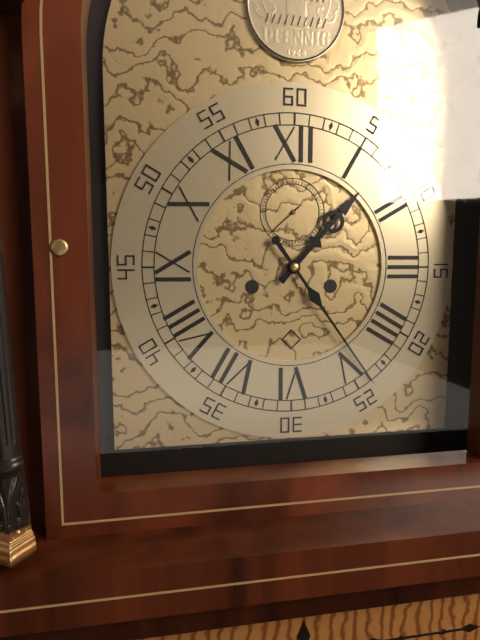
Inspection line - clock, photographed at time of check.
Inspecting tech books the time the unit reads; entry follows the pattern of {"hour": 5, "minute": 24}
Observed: {"hour": 1, "minute": 24}
